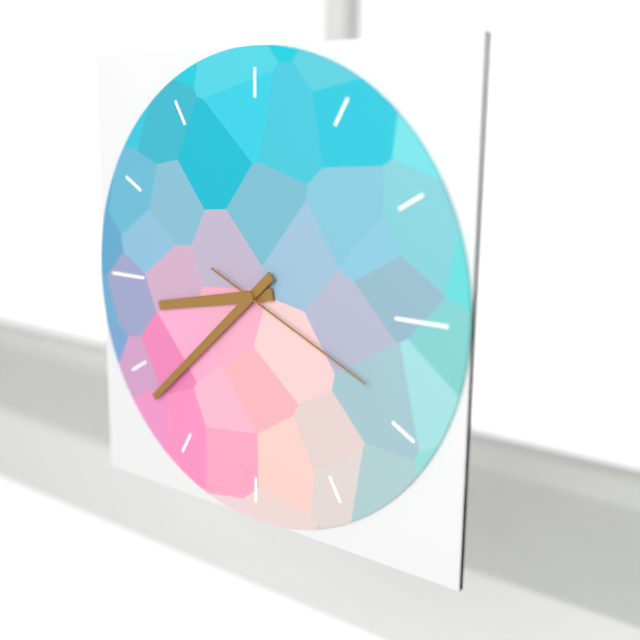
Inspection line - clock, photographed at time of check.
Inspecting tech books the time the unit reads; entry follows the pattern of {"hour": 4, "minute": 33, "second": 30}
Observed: {"hour": 8, "minute": 38, "second": 19}
